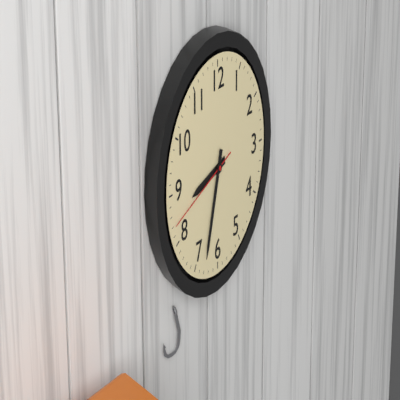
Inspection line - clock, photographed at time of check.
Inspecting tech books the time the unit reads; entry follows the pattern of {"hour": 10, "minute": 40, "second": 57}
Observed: {"hour": 8, "minute": 33, "second": 42}
